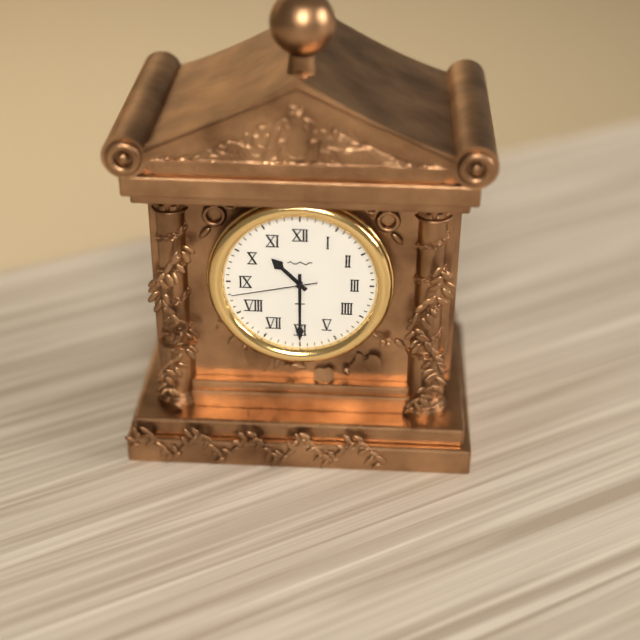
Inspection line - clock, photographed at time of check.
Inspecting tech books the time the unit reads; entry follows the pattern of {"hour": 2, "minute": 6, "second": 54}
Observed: {"hour": 10, "minute": 30, "second": 43}
